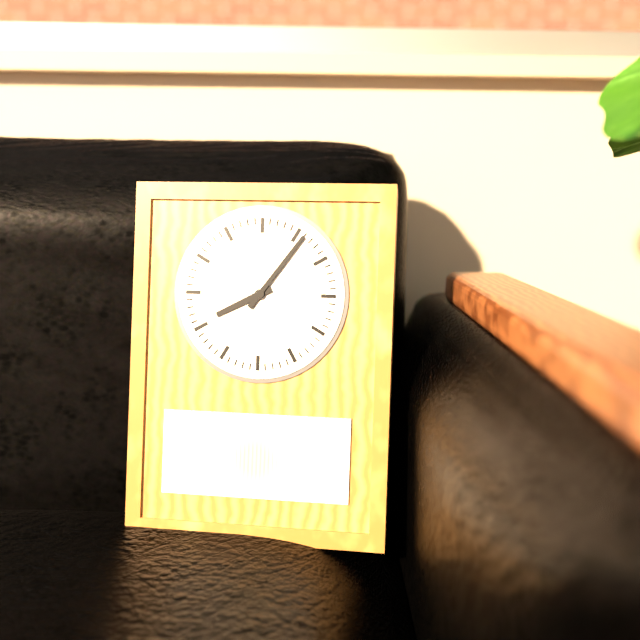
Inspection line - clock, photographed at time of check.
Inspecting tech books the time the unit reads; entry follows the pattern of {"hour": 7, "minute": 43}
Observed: {"hour": 8, "minute": 6}
